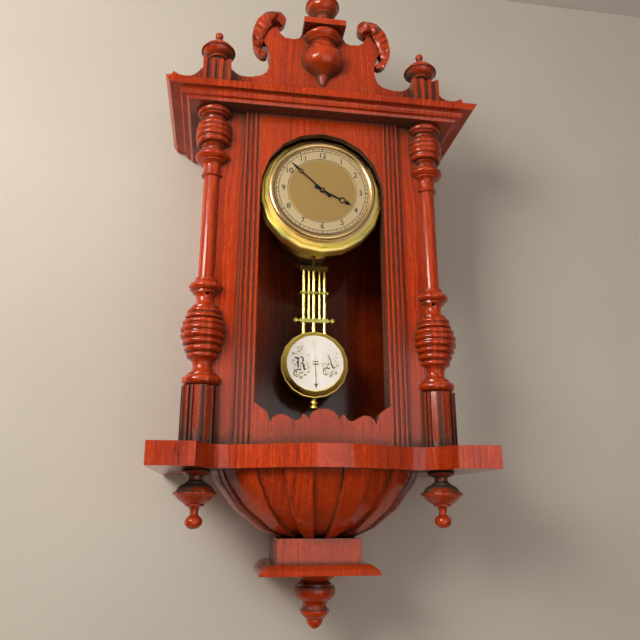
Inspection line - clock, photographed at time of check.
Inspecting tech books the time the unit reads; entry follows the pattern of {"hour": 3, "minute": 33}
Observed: {"hour": 3, "minute": 52}
